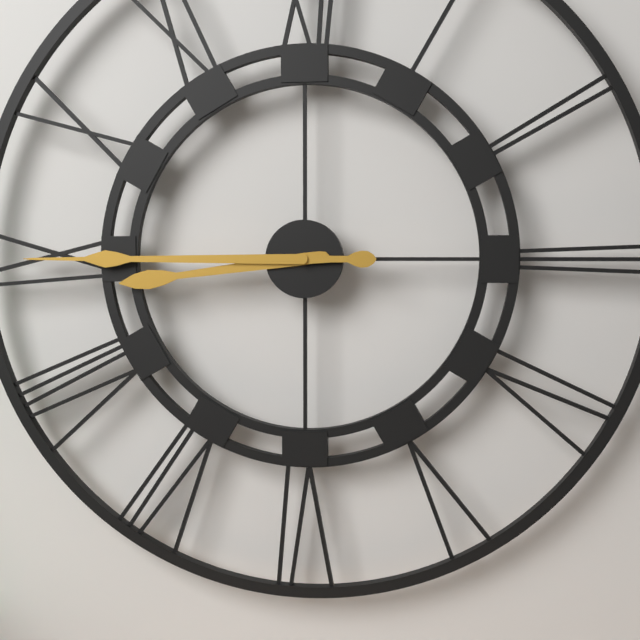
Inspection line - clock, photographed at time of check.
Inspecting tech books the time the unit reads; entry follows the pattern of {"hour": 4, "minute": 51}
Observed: {"hour": 8, "minute": 45}
